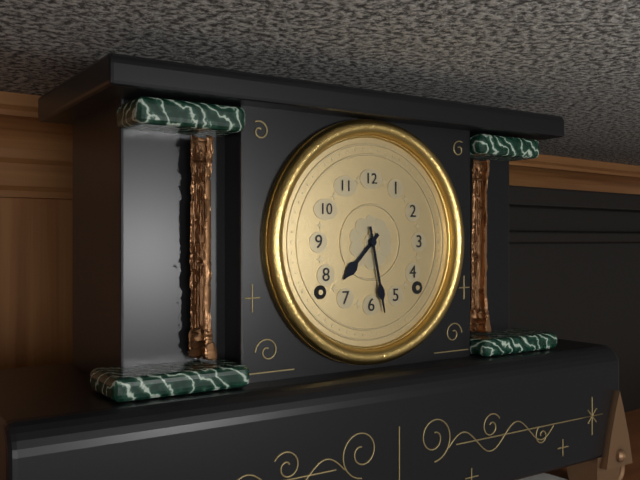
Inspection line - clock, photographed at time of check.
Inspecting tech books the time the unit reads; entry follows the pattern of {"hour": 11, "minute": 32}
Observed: {"hour": 7, "minute": 28}
